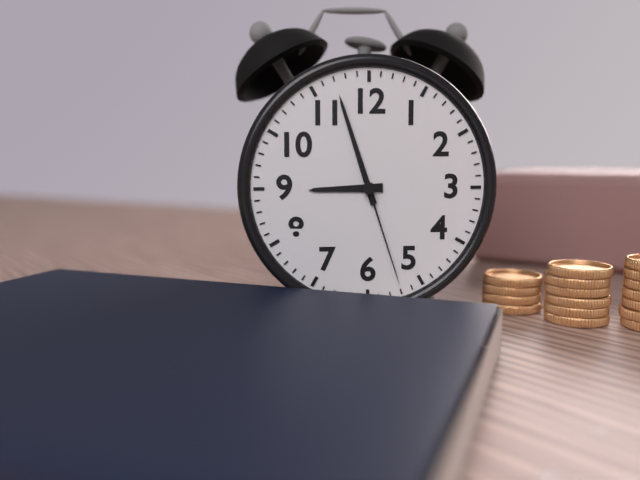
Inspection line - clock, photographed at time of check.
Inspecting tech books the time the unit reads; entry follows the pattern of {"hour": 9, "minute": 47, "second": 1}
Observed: {"hour": 8, "minute": 57, "second": 27}
